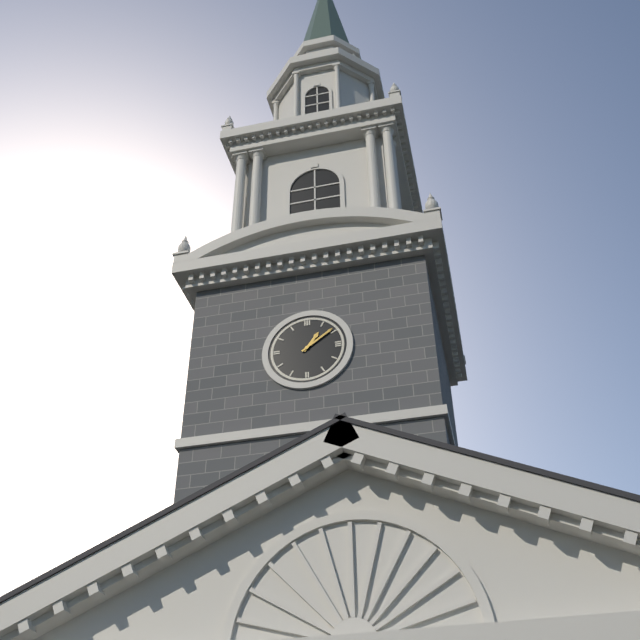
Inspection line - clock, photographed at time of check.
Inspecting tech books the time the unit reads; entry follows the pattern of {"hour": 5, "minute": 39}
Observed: {"hour": 1, "minute": 9}
